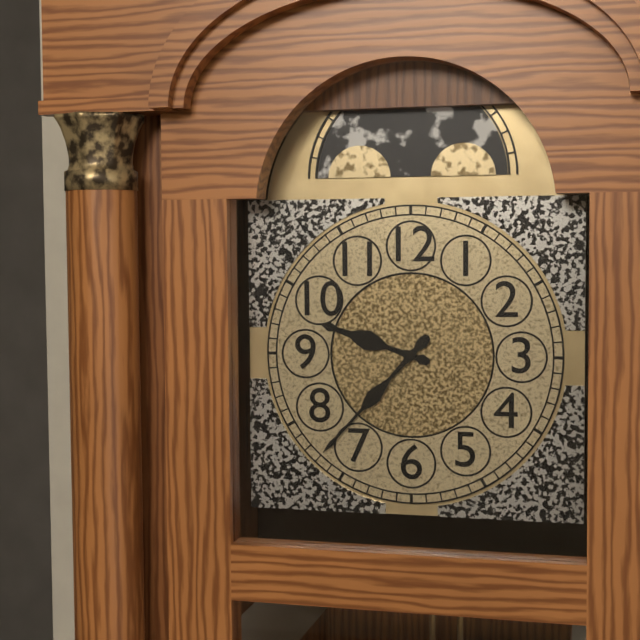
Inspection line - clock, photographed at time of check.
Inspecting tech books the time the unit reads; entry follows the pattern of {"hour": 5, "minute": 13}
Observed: {"hour": 9, "minute": 37}
